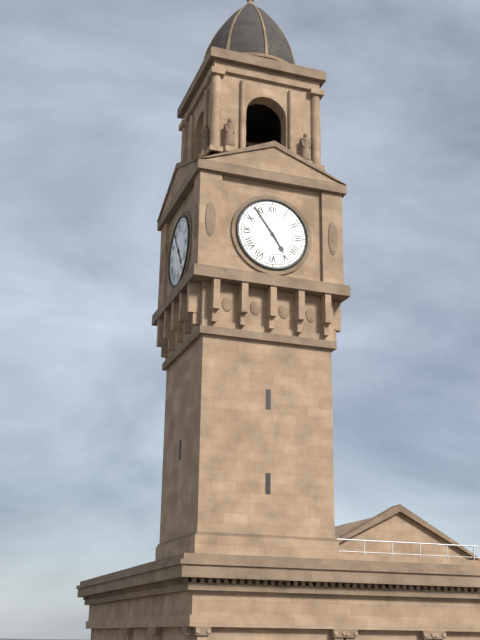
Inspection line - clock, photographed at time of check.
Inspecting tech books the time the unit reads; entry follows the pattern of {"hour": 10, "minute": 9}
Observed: {"hour": 4, "minute": 54}
